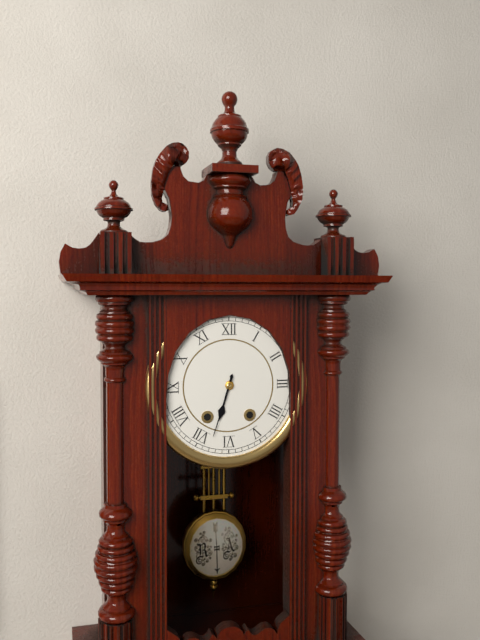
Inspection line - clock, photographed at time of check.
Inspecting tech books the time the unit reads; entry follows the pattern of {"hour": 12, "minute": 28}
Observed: {"hour": 6, "minute": 33}
